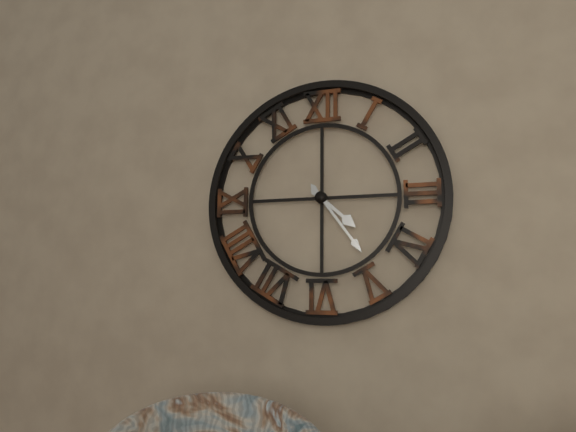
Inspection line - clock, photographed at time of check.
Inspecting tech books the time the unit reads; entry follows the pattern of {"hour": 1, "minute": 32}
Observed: {"hour": 4, "minute": 24}
